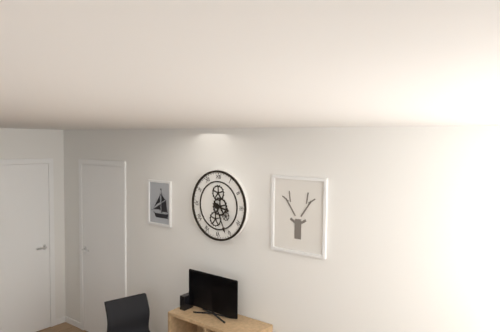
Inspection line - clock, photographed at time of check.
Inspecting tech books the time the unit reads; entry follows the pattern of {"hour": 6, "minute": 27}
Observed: {"hour": 3, "minute": 26}
